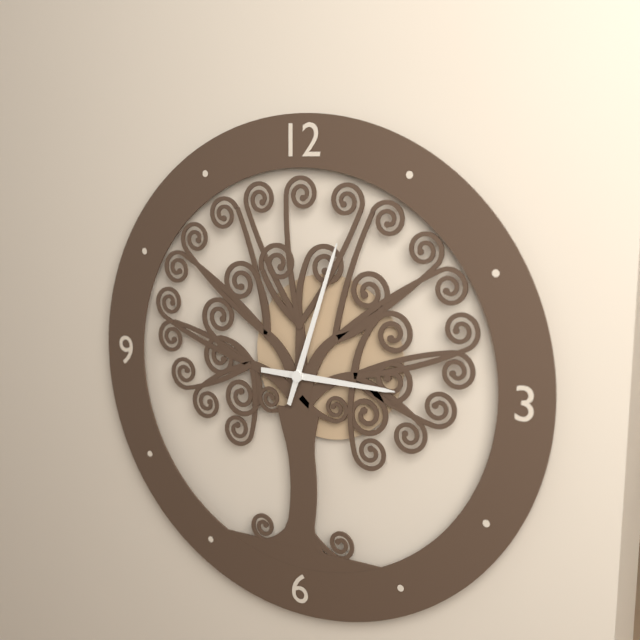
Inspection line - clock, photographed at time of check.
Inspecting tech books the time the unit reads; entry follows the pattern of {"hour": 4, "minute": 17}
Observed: {"hour": 3, "minute": 3}
